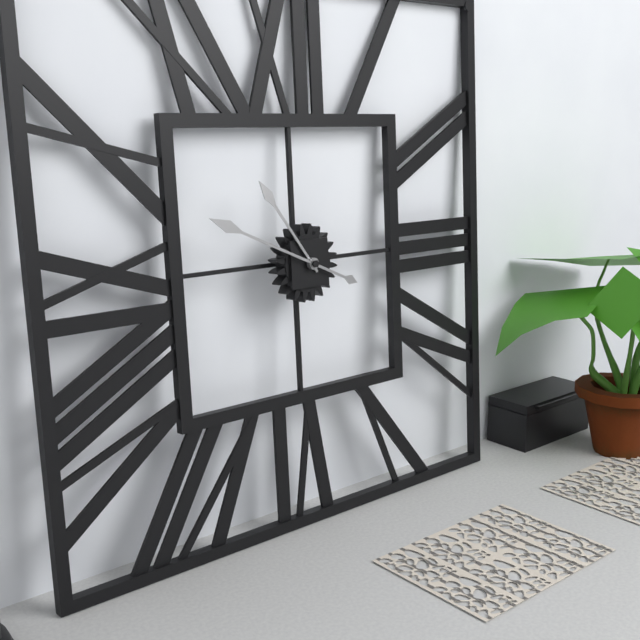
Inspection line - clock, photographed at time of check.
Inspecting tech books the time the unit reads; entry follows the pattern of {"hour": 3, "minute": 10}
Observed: {"hour": 10, "minute": 49}
